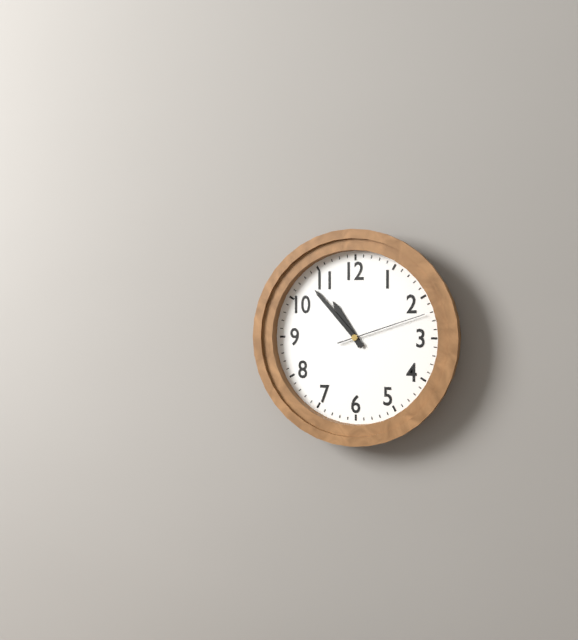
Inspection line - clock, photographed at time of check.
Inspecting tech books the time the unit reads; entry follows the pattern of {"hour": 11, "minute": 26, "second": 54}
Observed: {"hour": 10, "minute": 53, "second": 12}
